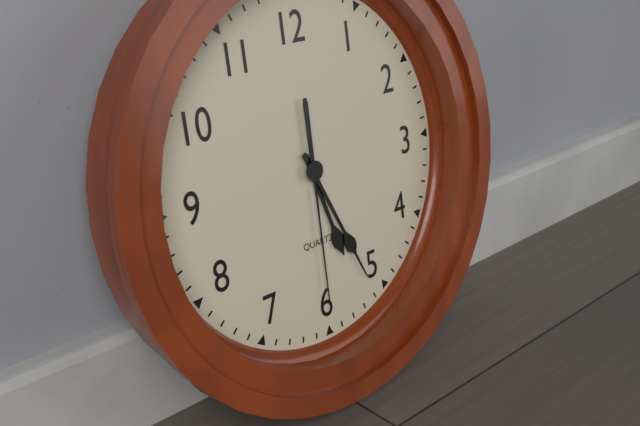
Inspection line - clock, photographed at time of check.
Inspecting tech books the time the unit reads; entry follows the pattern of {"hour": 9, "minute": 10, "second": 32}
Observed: {"hour": 5, "minute": 26, "second": 30}
